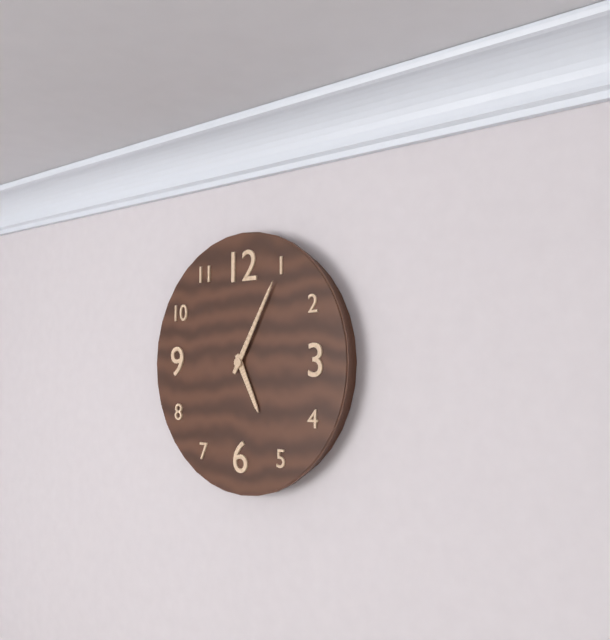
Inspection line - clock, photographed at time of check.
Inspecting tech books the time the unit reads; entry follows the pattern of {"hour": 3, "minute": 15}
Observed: {"hour": 5, "minute": 5}
